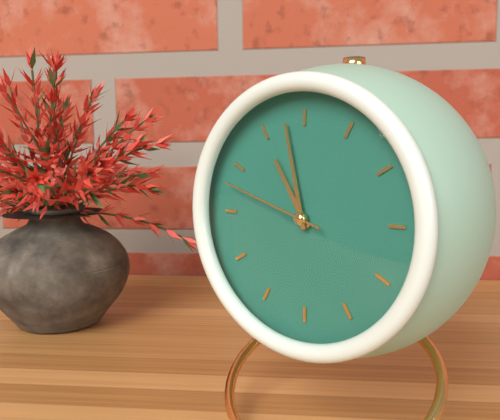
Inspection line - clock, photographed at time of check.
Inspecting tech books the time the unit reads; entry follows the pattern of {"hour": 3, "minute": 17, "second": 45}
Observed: {"hour": 10, "minute": 58, "second": 48}
